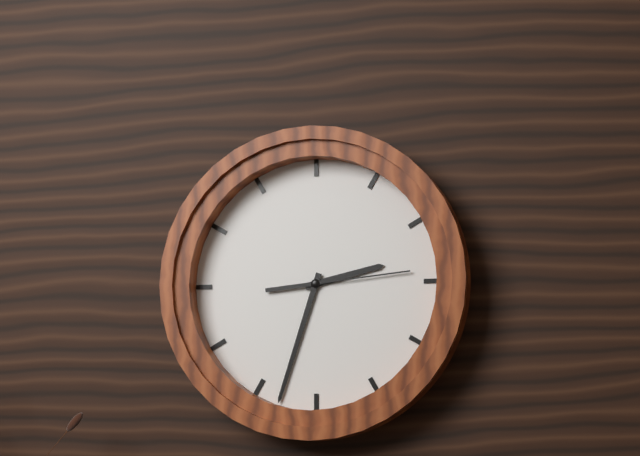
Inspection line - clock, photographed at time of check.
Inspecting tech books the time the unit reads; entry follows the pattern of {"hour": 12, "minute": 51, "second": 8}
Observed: {"hour": 2, "minute": 33, "second": 14}
